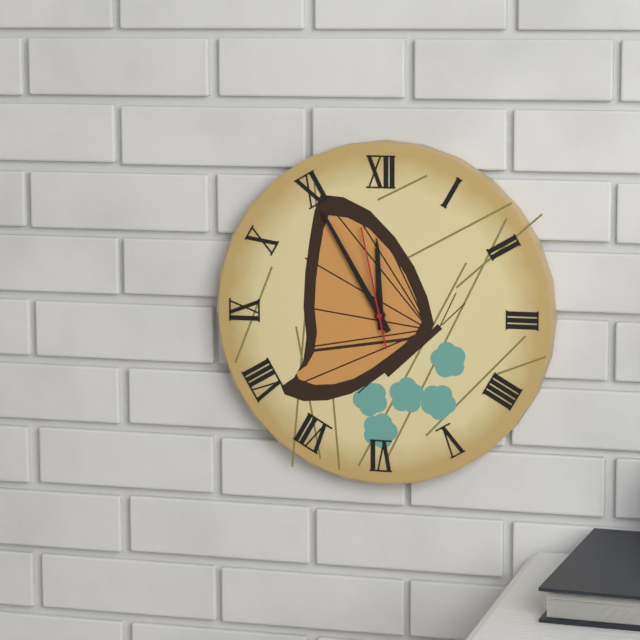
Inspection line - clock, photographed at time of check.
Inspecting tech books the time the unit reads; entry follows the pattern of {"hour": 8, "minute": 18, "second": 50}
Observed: {"hour": 11, "minute": 55, "second": 58}
